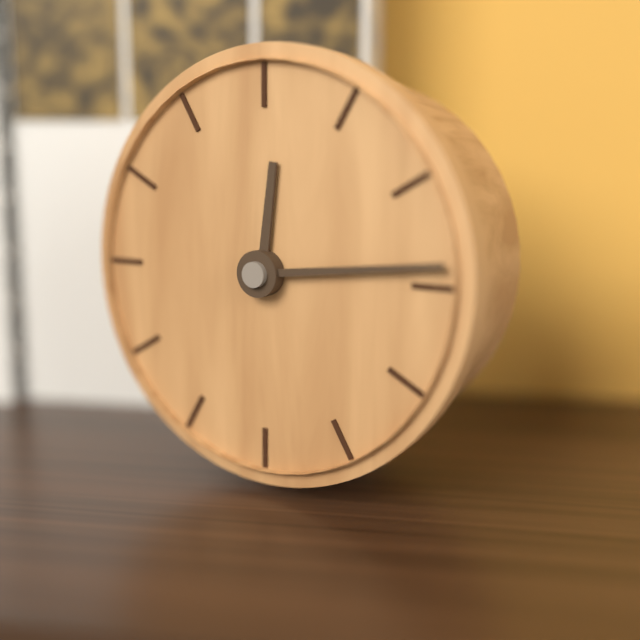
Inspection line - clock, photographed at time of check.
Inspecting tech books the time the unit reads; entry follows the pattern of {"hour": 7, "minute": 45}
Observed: {"hour": 12, "minute": 14}
